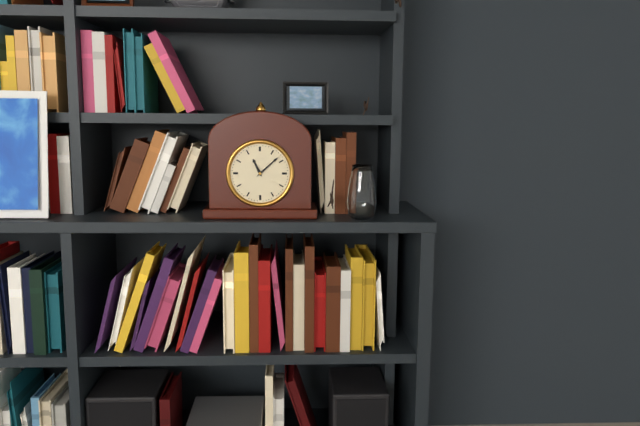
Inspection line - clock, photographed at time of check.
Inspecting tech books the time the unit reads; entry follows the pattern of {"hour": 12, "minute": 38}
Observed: {"hour": 11, "minute": 8}
